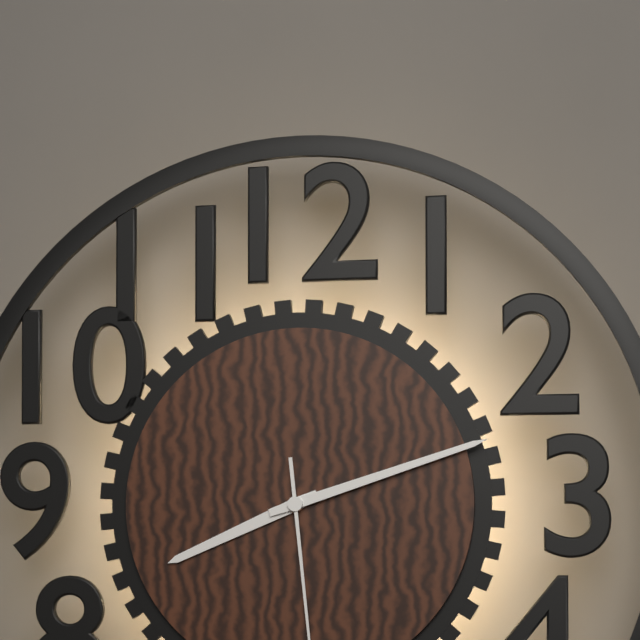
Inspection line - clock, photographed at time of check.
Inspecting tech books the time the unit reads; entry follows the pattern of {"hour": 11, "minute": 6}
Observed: {"hour": 8, "minute": 12}
